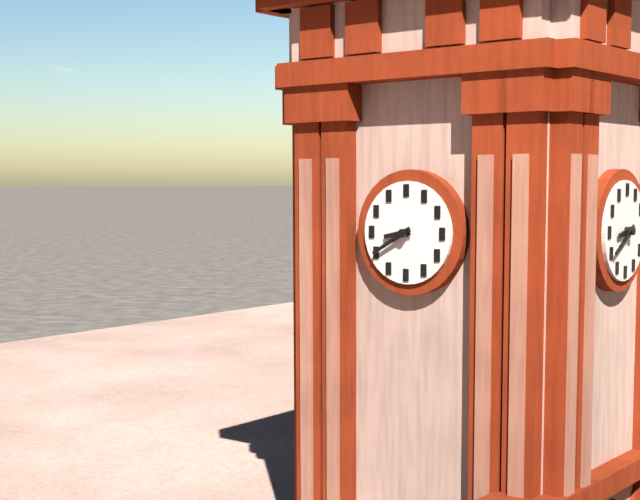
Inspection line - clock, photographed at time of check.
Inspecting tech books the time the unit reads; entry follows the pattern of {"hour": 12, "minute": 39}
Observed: {"hour": 8, "minute": 40}
